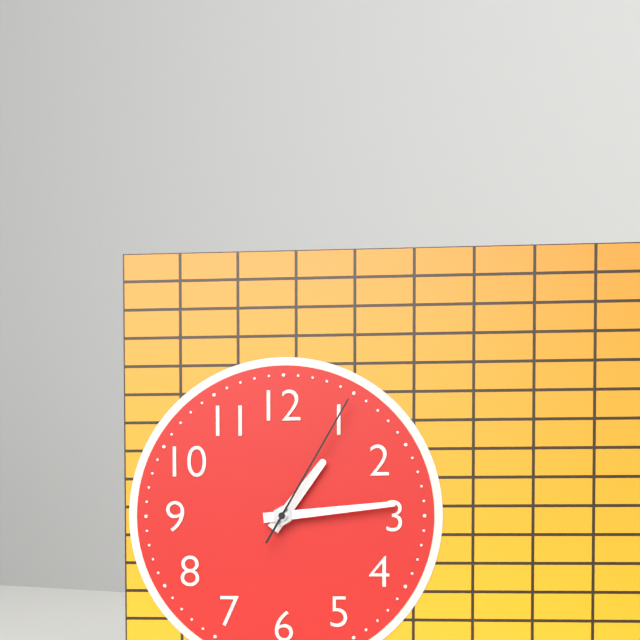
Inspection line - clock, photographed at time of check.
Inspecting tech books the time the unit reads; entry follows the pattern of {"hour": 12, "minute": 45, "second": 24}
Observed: {"hour": 1, "minute": 14, "second": 5}
